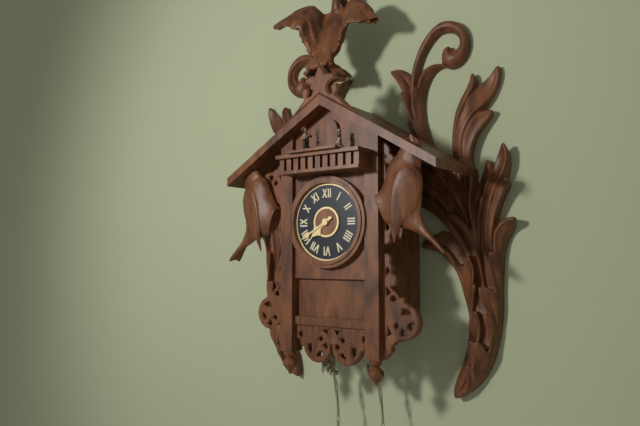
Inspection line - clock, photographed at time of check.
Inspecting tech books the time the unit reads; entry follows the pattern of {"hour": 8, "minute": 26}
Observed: {"hour": 7, "minute": 40}
